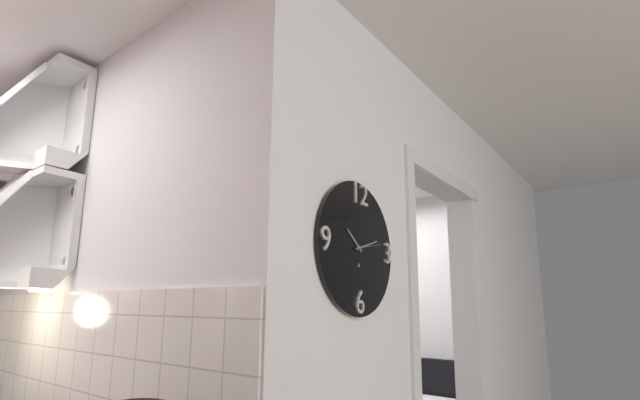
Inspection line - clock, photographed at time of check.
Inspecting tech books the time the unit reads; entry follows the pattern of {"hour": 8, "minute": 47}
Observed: {"hour": 10, "minute": 12}
